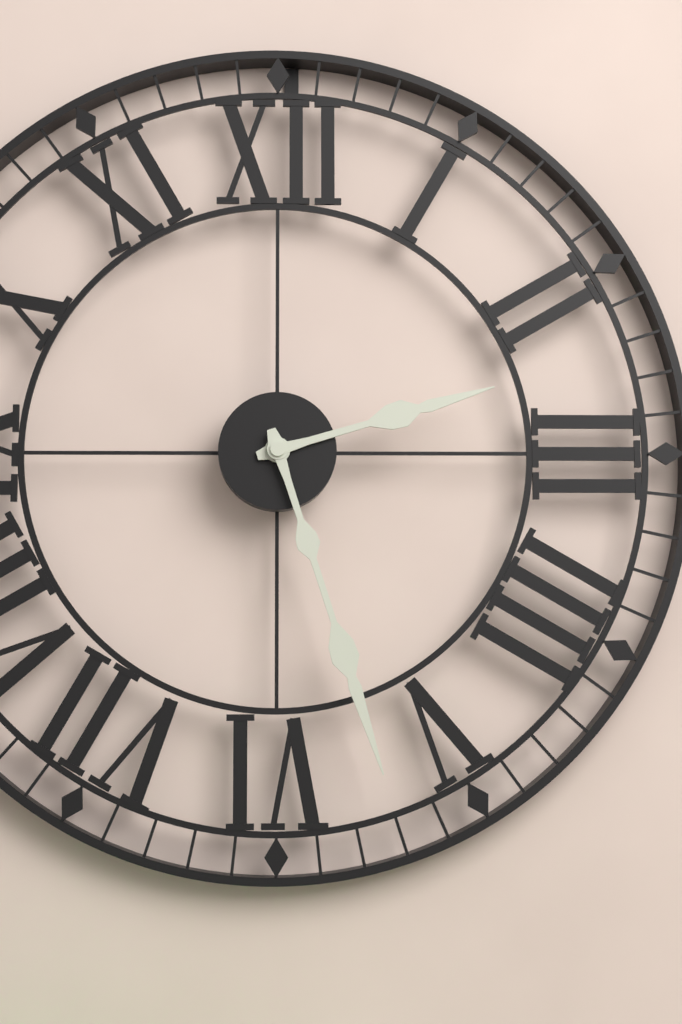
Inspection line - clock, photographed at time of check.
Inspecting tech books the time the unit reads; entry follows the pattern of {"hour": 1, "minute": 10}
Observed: {"hour": 2, "minute": 27}
